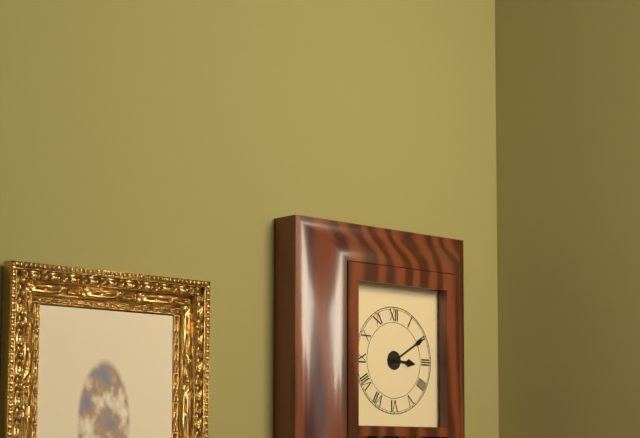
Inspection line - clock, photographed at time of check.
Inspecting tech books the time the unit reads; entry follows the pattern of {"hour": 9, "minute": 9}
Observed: {"hour": 3, "minute": 10}
